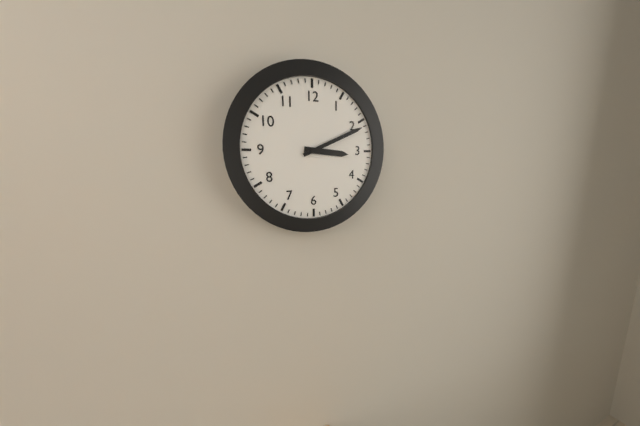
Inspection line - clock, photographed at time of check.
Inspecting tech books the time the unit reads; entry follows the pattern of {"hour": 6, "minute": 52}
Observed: {"hour": 3, "minute": 11}
